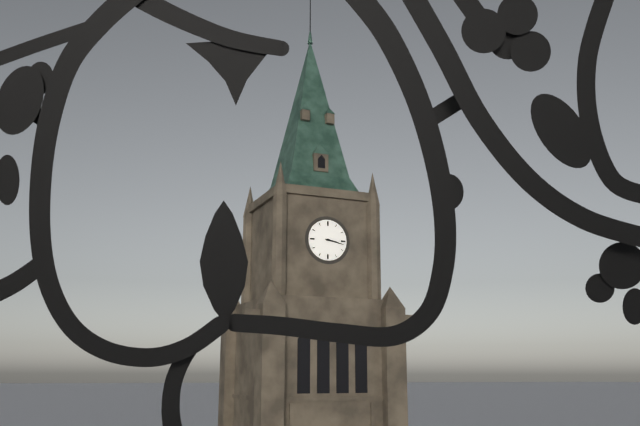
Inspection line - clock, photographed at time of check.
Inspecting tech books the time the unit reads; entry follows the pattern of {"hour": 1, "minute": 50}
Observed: {"hour": 3, "minute": 17}
